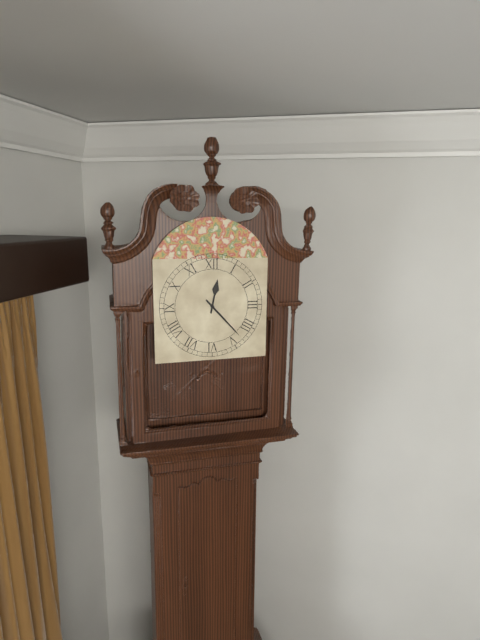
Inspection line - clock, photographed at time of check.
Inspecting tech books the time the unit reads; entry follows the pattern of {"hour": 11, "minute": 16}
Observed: {"hour": 12, "minute": 23}
